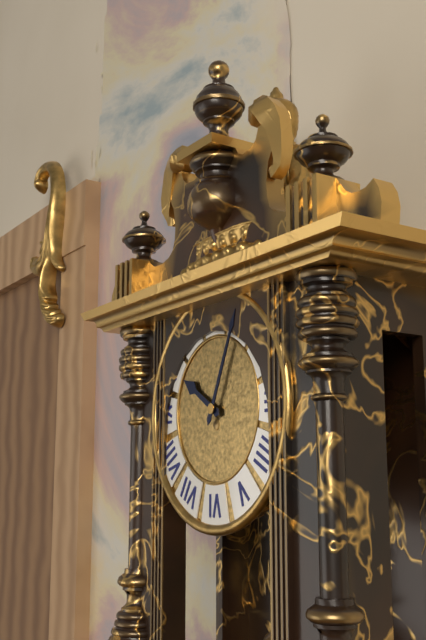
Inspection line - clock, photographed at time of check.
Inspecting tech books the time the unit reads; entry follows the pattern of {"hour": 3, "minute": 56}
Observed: {"hour": 10, "minute": 4}
